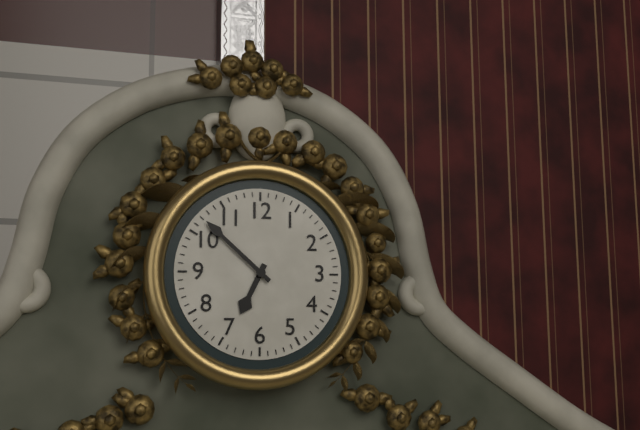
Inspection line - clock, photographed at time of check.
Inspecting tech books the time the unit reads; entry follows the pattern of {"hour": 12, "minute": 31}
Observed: {"hour": 6, "minute": 52}
